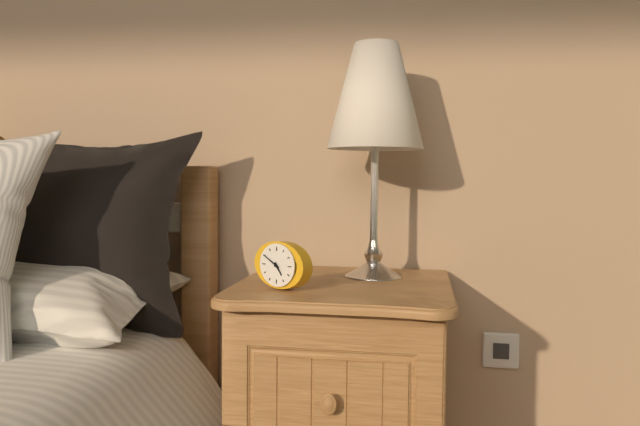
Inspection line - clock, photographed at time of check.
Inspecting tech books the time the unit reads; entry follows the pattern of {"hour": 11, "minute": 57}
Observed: {"hour": 4, "minute": 50}
